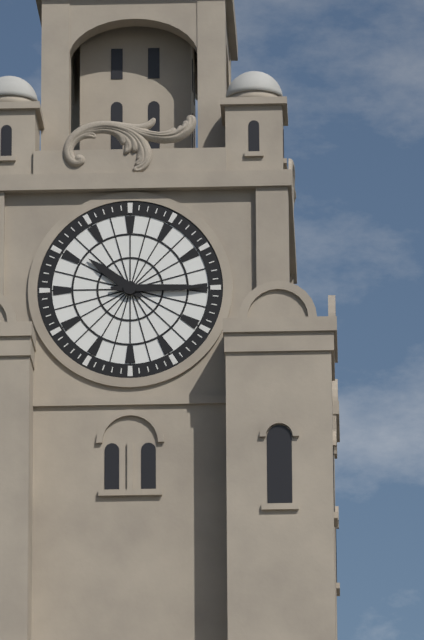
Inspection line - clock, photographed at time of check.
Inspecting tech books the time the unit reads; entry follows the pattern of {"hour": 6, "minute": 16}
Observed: {"hour": 10, "minute": 15}
